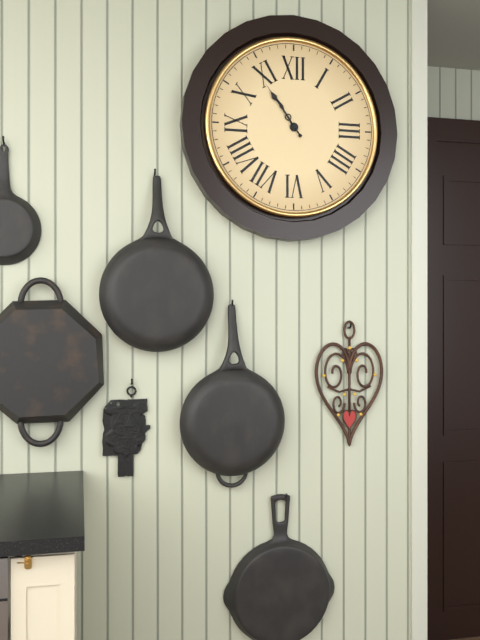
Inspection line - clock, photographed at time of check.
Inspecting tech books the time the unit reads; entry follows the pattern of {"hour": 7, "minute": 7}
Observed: {"hour": 10, "minute": 54}
